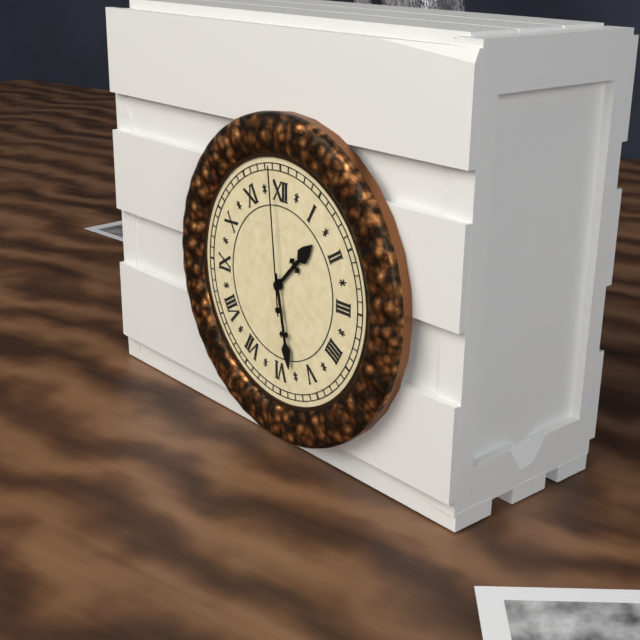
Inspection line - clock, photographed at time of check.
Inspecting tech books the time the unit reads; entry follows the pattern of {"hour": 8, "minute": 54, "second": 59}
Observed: {"hour": 1, "minute": 28, "second": 59}
